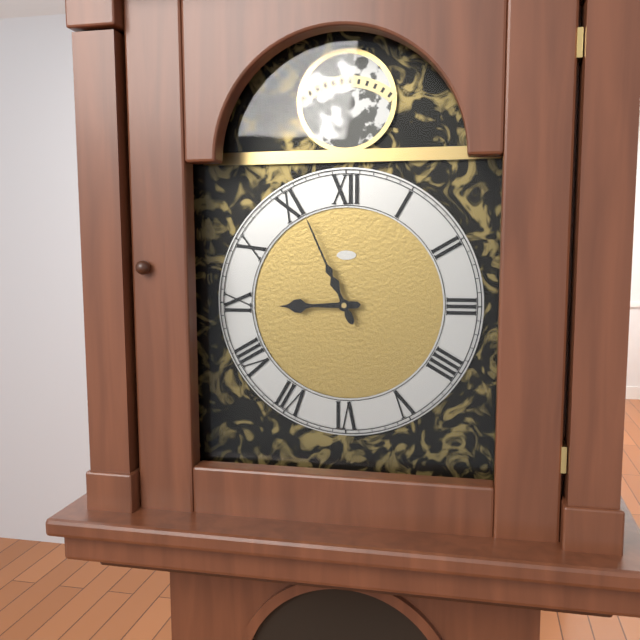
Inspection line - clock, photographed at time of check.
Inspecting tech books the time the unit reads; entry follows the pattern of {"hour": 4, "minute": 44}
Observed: {"hour": 8, "minute": 56}
